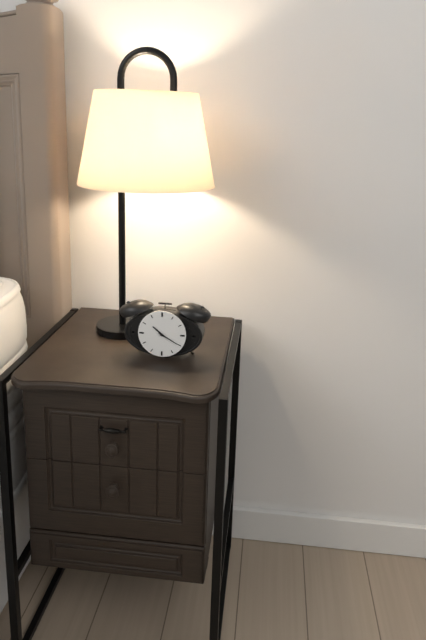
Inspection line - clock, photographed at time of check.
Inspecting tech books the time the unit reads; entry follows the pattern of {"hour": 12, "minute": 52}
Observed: {"hour": 10, "minute": 20}
